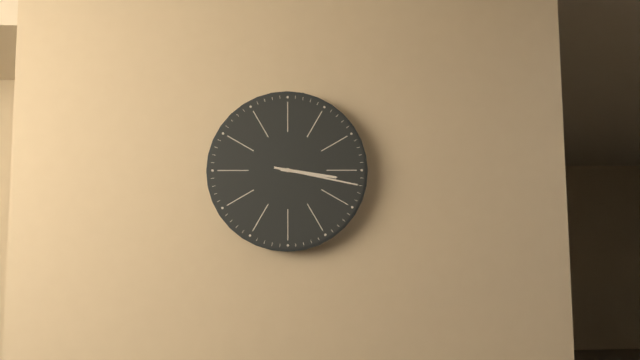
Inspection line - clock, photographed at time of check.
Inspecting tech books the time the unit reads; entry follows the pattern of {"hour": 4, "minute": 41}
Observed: {"hour": 3, "minute": 17}
